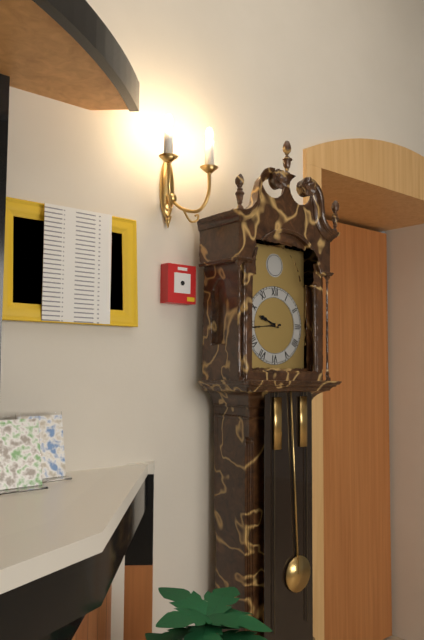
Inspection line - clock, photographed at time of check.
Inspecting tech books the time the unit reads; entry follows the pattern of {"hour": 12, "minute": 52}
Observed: {"hour": 9, "minute": 44}
